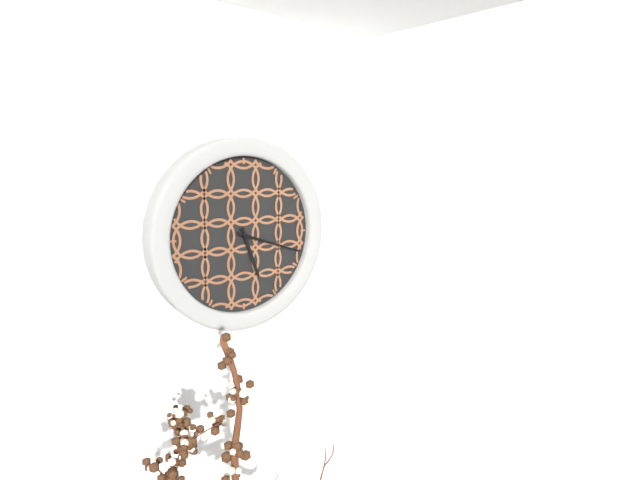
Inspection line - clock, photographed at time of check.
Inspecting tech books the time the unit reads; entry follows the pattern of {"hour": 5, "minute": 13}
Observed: {"hour": 5, "minute": 18}
